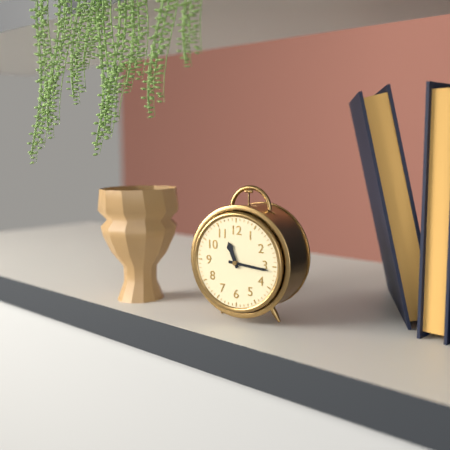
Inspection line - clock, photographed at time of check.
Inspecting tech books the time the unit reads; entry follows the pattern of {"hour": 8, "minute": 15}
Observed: {"hour": 11, "minute": 16}
